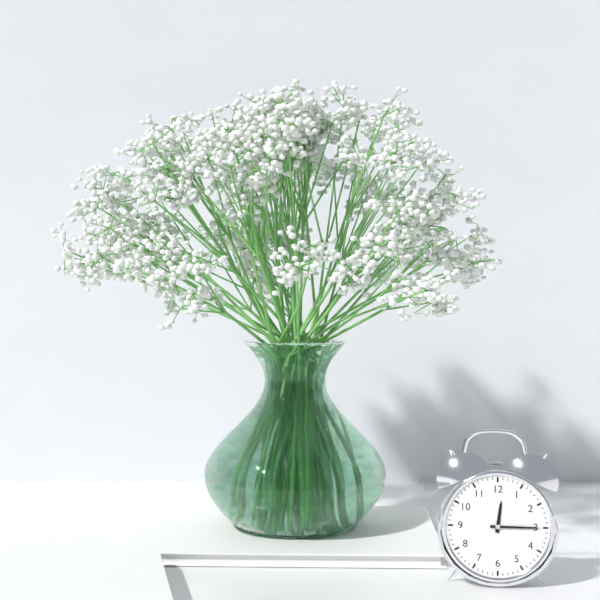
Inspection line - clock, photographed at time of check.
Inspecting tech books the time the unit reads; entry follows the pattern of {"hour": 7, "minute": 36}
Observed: {"hour": 12, "minute": 15}
